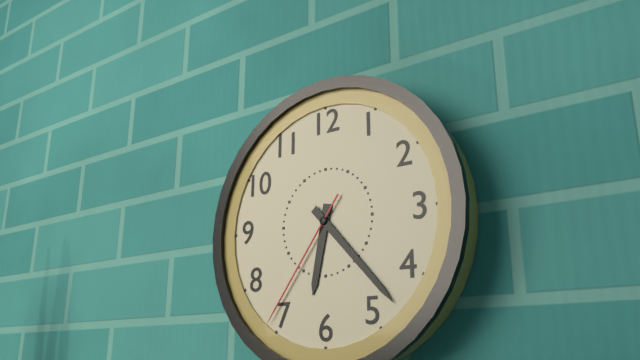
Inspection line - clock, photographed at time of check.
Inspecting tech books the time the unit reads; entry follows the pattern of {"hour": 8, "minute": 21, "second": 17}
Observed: {"hour": 6, "minute": 23, "second": 36}
